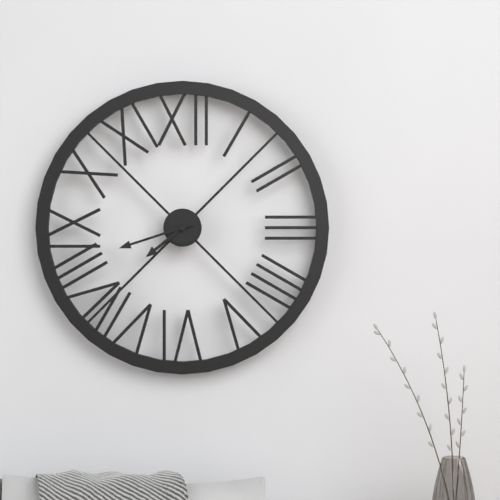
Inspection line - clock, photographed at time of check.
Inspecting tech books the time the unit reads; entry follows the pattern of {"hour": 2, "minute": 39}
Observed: {"hour": 7, "minute": 42}
